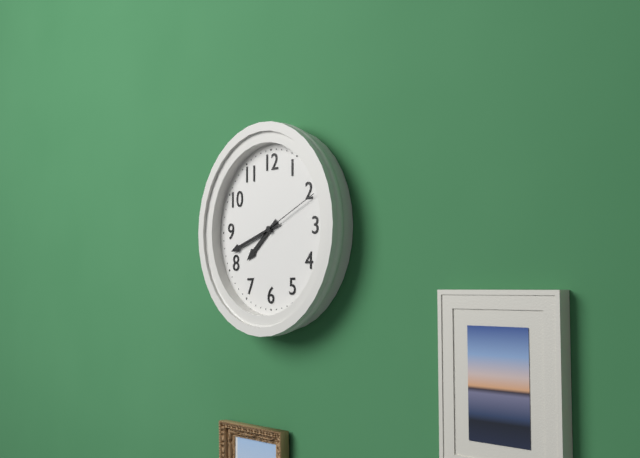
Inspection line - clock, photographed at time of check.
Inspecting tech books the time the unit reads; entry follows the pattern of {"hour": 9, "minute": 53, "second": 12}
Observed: {"hour": 7, "minute": 42, "second": 11}
